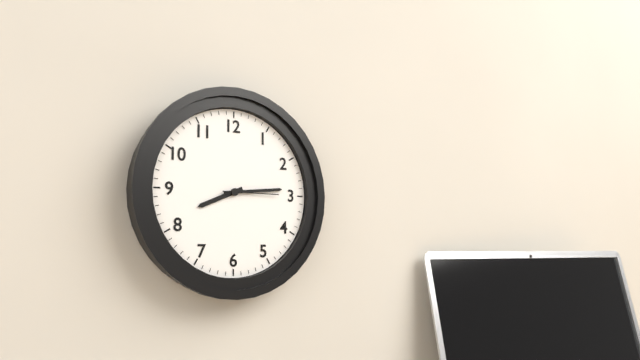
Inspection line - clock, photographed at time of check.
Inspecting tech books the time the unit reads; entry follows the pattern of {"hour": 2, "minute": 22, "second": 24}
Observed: {"hour": 8, "minute": 14, "second": 15}
